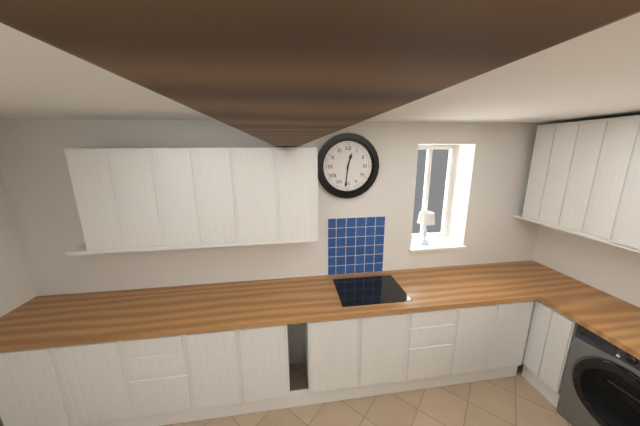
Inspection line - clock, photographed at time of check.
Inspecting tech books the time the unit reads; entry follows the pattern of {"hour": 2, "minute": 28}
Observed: {"hour": 12, "minute": 31}
